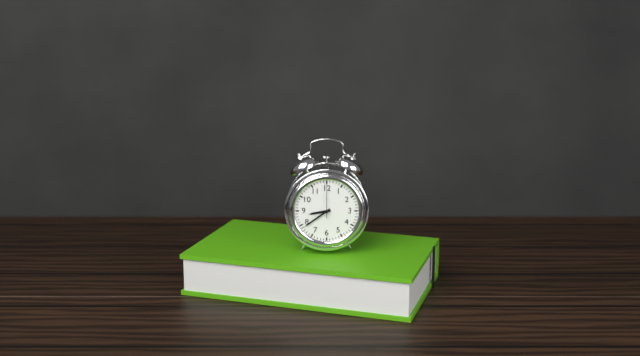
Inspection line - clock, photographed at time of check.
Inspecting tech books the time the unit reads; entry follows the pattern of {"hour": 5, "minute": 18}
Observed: {"hour": 8, "minute": 39}
